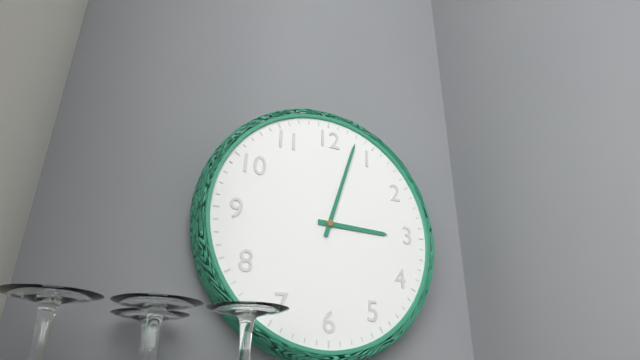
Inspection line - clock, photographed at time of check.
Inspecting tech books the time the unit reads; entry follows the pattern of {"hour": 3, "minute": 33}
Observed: {"hour": 3, "minute": 3}
